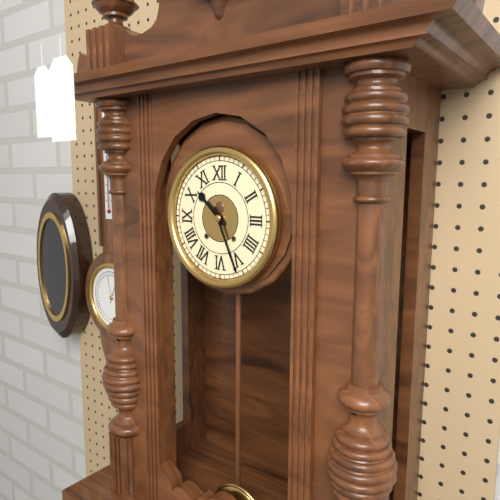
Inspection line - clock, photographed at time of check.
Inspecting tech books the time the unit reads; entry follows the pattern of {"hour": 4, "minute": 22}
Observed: {"hour": 10, "minute": 26}
